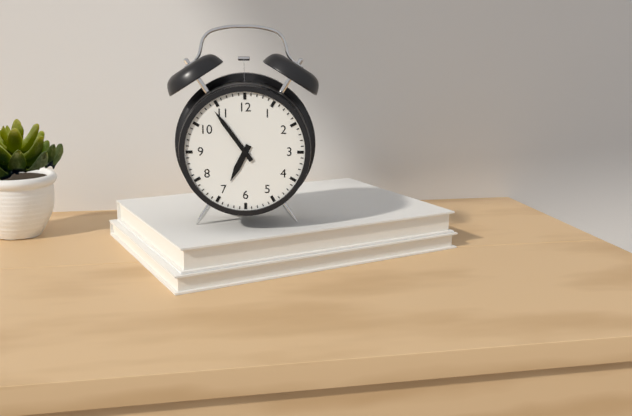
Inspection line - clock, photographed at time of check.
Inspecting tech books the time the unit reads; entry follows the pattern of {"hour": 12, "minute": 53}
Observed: {"hour": 6, "minute": 54}
